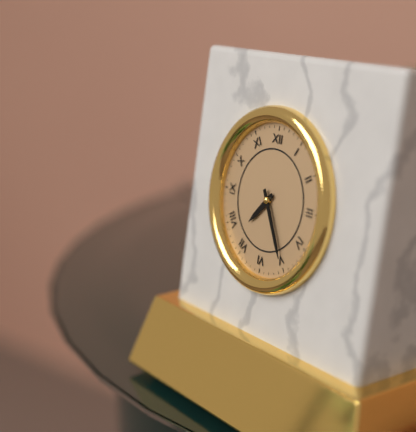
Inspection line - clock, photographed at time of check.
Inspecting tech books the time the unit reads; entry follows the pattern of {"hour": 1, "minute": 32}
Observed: {"hour": 7, "minute": 25}
